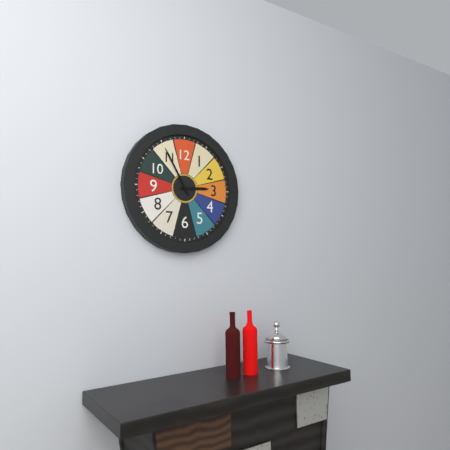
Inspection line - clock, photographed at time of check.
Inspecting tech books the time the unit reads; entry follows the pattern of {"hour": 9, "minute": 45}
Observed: {"hour": 2, "minute": 55}
